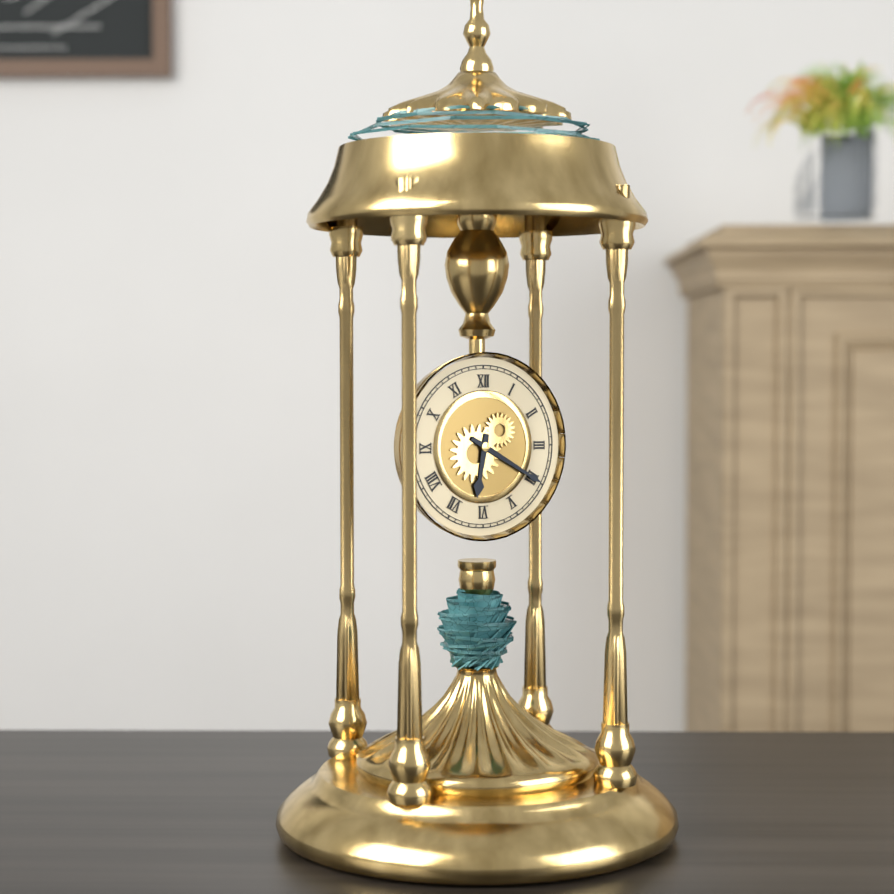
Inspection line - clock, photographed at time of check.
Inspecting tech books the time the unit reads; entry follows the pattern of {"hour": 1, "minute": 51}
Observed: {"hour": 6, "minute": 20}
